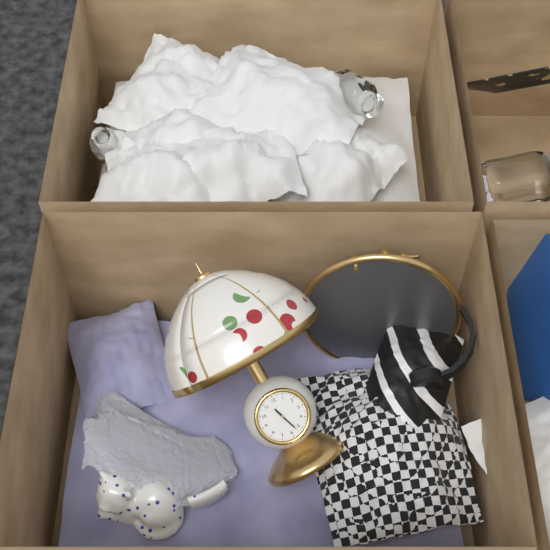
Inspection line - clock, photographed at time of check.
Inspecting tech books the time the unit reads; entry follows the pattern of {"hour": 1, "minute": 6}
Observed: {"hour": 11, "minute": 27}
